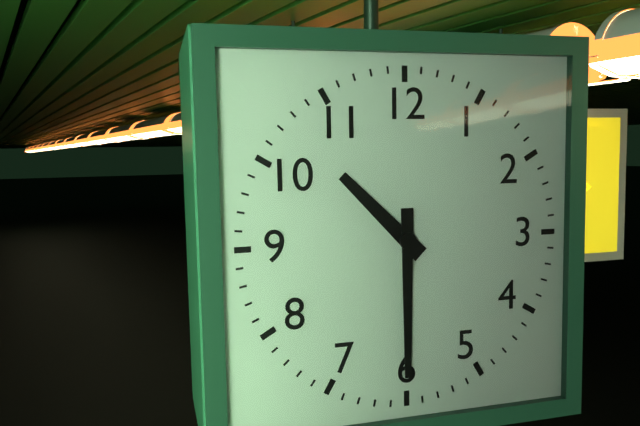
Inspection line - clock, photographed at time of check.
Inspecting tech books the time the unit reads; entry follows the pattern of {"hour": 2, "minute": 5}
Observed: {"hour": 10, "minute": 30}
